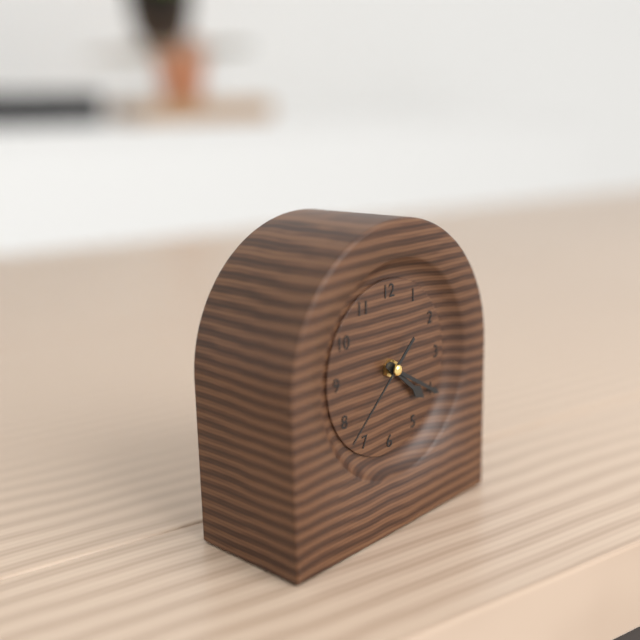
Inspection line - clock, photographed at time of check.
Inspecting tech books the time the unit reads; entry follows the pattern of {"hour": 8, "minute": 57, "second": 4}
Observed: {"hour": 4, "minute": 20, "second": 38}
